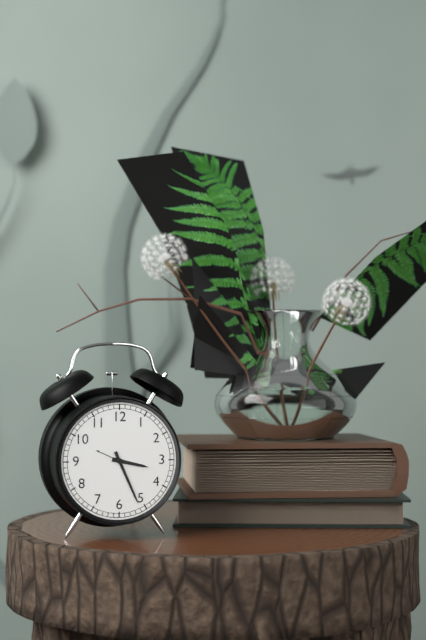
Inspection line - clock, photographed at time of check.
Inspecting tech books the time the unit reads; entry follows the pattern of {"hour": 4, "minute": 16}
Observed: {"hour": 3, "minute": 26}
